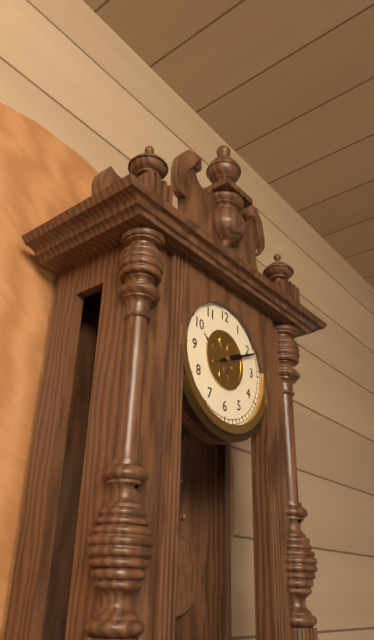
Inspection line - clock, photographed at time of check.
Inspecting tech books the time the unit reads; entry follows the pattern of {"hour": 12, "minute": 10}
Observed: {"hour": 2, "minute": 11}
